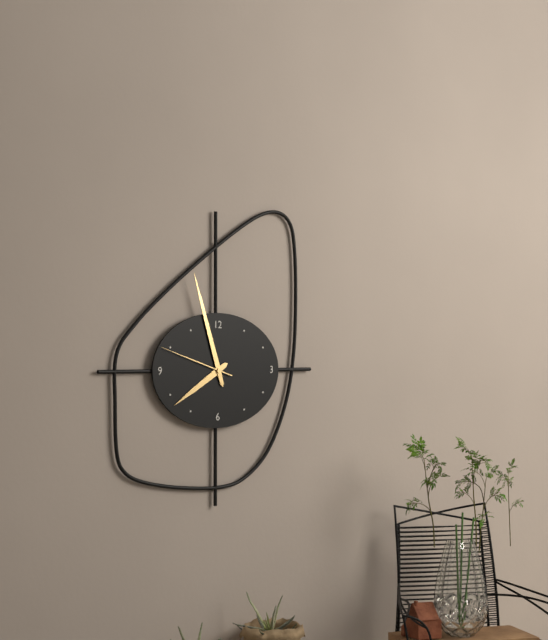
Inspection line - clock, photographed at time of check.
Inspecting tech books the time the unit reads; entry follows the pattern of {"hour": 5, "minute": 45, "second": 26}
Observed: {"hour": 7, "minute": 57, "second": 48}
